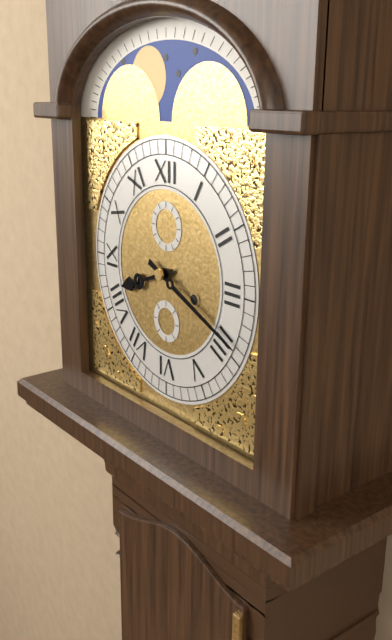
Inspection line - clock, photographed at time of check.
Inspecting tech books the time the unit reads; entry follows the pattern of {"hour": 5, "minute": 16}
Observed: {"hour": 8, "minute": 19}
